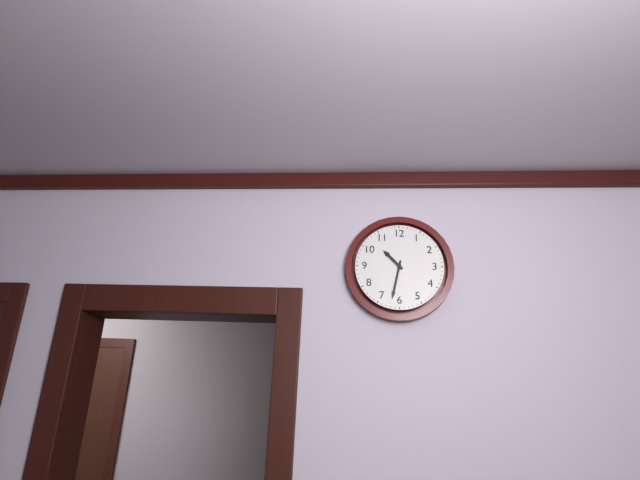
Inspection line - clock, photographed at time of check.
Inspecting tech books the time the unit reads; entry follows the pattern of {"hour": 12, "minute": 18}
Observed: {"hour": 10, "minute": 32}
